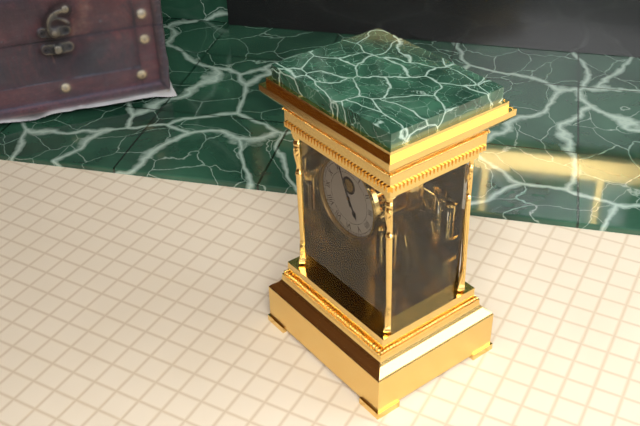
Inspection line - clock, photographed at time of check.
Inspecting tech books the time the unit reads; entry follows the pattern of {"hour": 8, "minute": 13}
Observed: {"hour": 4, "minute": 56}
